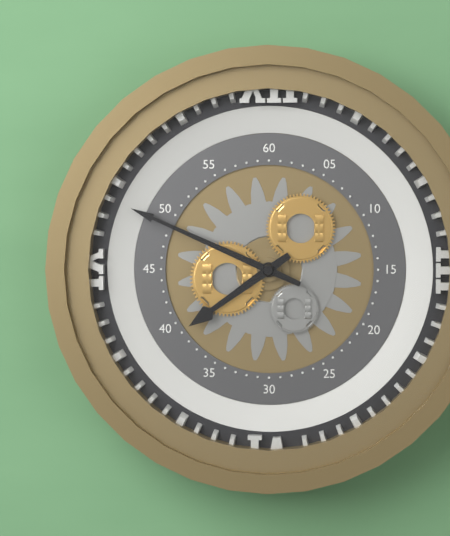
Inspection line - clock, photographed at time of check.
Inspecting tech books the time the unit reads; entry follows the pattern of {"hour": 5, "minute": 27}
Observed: {"hour": 7, "minute": 49}
